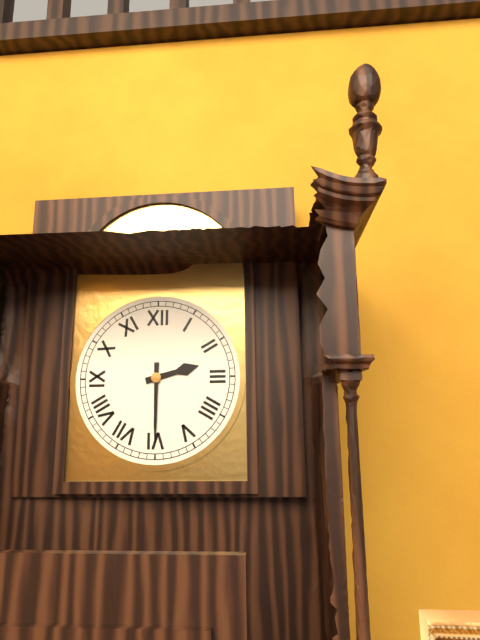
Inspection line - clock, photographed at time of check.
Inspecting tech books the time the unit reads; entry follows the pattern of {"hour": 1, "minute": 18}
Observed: {"hour": 2, "minute": 30}
